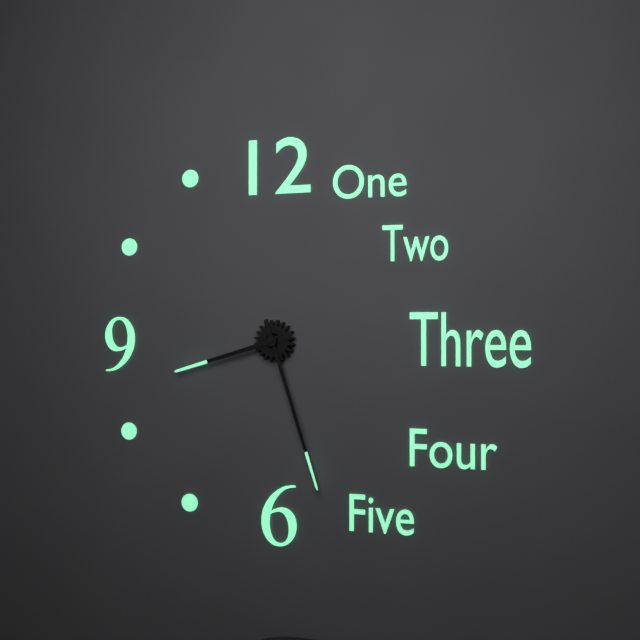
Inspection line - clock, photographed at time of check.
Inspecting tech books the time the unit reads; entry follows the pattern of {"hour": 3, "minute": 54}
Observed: {"hour": 8, "minute": 27}
